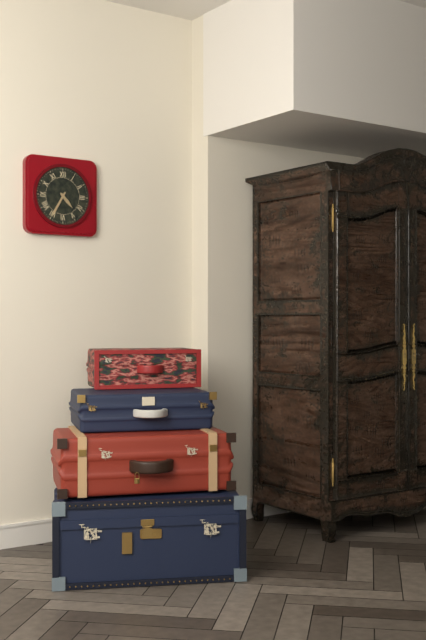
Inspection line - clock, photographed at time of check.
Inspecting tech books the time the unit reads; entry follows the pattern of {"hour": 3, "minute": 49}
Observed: {"hour": 4, "minute": 35}
